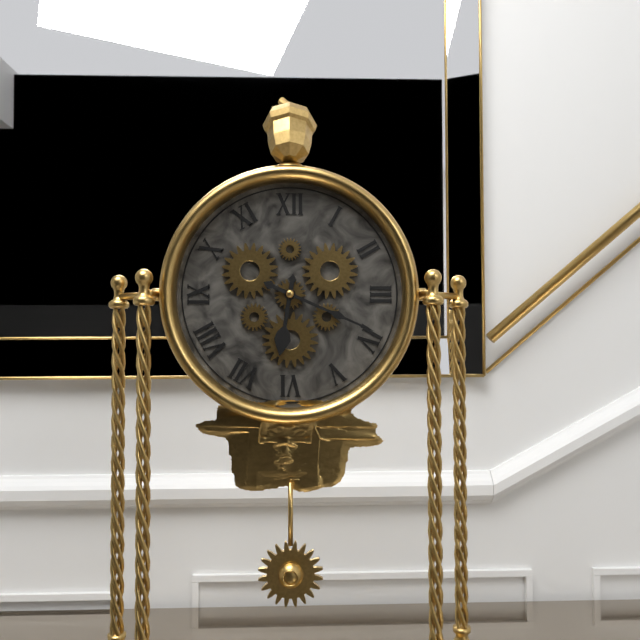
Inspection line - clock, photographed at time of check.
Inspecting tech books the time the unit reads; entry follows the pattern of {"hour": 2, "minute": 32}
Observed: {"hour": 6, "minute": 19}
